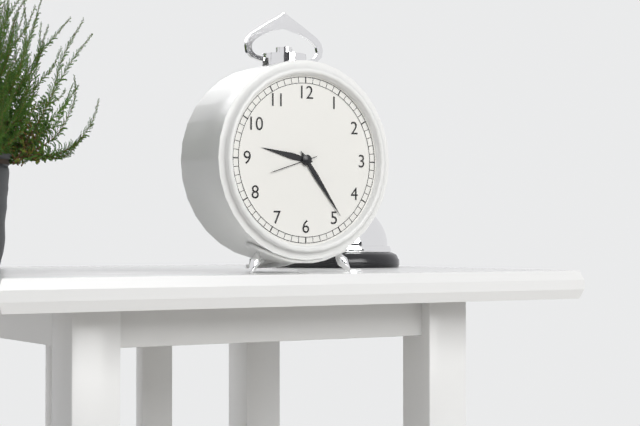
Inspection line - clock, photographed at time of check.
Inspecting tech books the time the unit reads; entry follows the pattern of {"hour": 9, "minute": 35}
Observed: {"hour": 9, "minute": 24}
